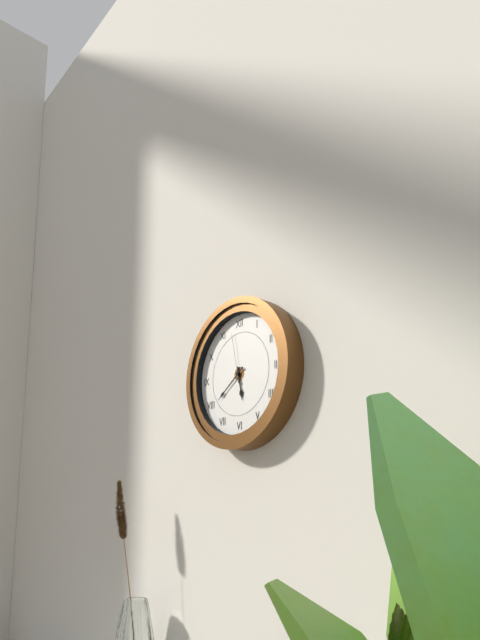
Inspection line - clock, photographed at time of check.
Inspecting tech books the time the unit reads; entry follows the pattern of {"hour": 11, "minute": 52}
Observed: {"hour": 5, "minute": 39}
